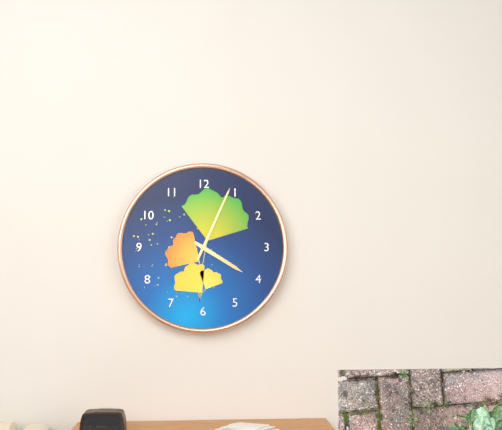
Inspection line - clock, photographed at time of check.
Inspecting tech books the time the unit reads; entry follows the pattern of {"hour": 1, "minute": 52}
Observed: {"hour": 4, "minute": 4}
